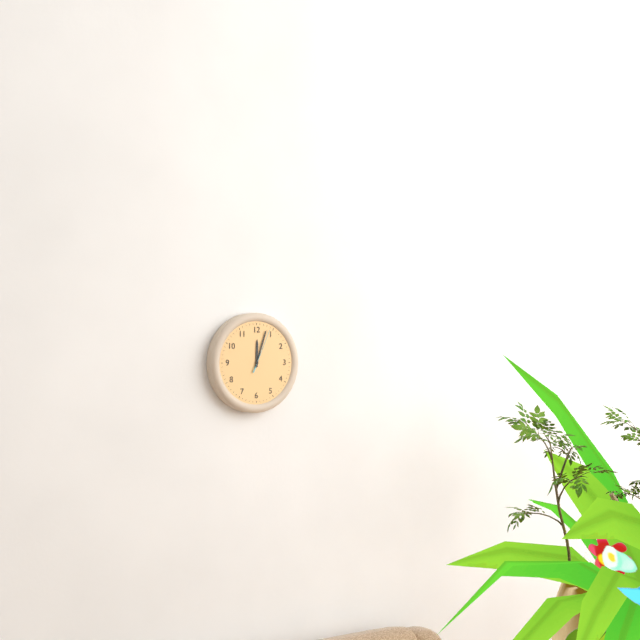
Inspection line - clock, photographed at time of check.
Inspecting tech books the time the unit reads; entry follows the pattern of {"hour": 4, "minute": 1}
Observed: {"hour": 12, "minute": 3}
